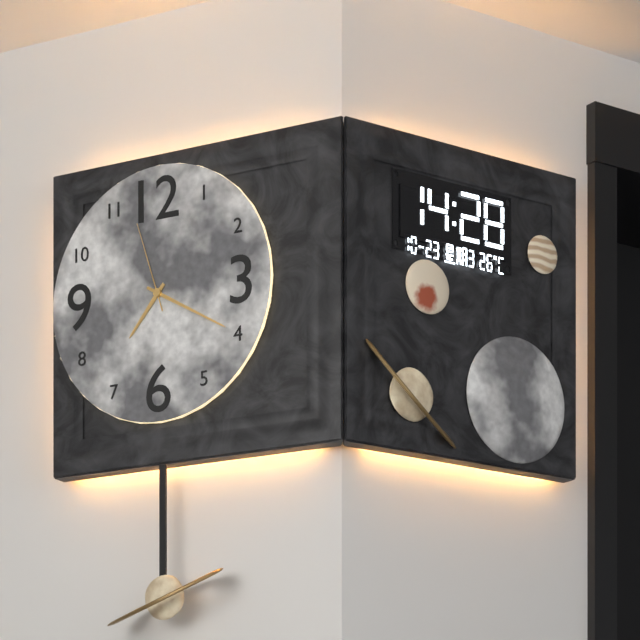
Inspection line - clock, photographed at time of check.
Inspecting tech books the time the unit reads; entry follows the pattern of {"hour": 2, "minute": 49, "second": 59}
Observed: {"hour": 7, "minute": 20, "second": 57}
